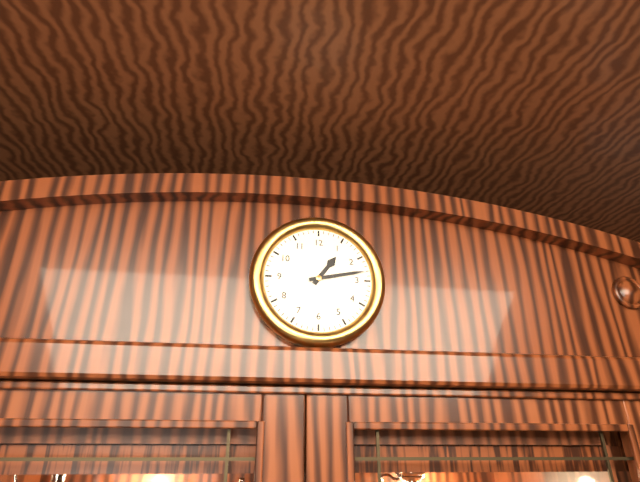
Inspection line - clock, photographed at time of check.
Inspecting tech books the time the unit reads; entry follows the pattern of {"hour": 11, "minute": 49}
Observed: {"hour": 1, "minute": 13}
